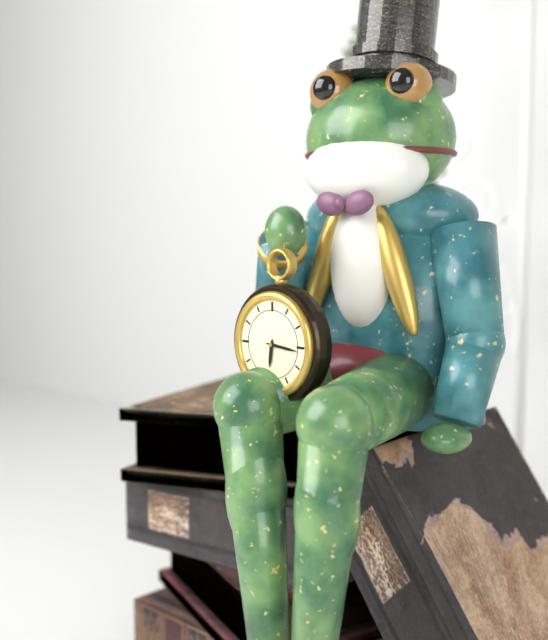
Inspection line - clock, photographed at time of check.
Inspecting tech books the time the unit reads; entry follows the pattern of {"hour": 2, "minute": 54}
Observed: {"hour": 6, "minute": 16}
